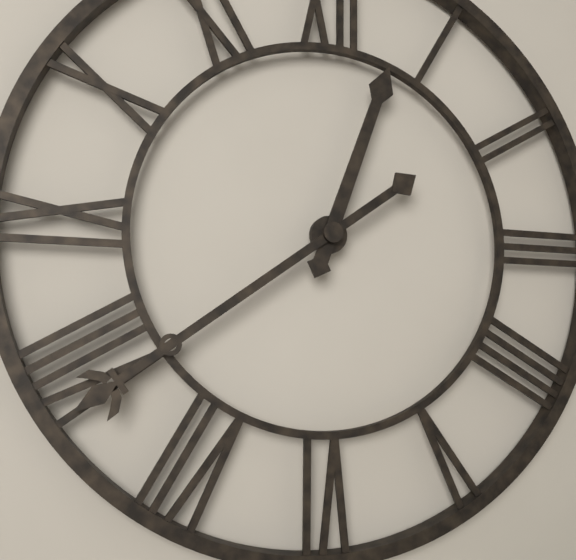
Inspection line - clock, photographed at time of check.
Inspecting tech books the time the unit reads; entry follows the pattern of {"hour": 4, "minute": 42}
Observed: {"hour": 12, "minute": 39}
